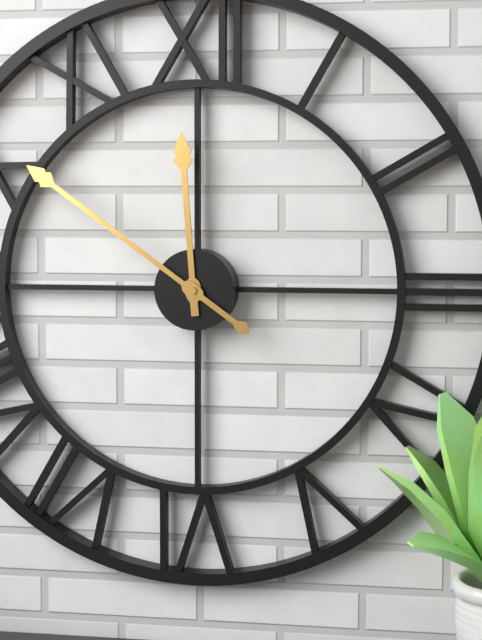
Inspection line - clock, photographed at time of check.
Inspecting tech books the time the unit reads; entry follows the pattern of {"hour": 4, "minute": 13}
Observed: {"hour": 11, "minute": 51}
